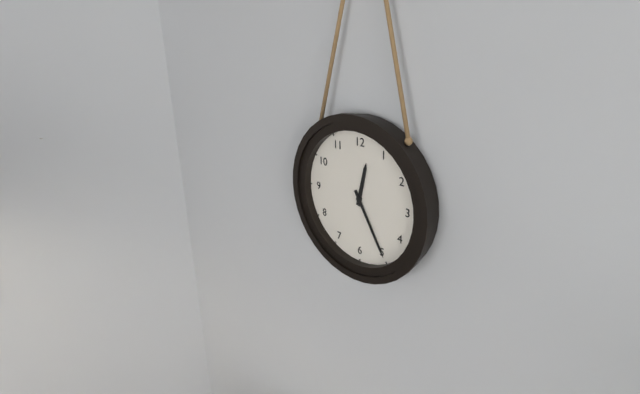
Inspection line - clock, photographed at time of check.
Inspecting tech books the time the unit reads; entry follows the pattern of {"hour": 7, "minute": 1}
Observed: {"hour": 12, "minute": 25}
